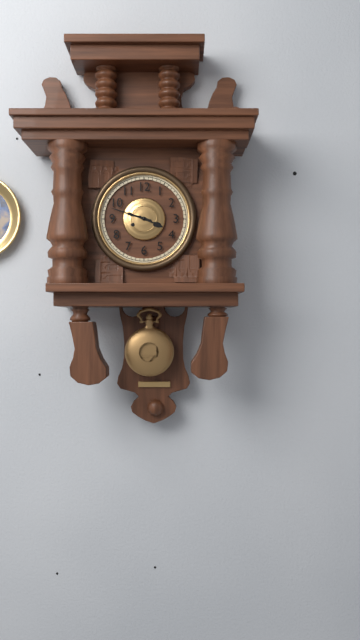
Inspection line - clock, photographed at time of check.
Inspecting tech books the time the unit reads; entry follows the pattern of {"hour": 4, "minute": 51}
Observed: {"hour": 3, "minute": 48}
